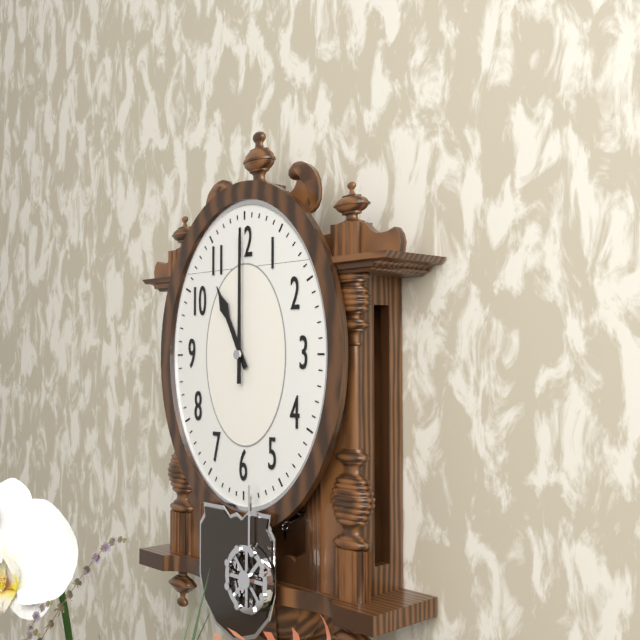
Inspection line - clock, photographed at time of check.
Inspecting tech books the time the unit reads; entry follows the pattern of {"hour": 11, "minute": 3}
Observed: {"hour": 11, "minute": 0}
